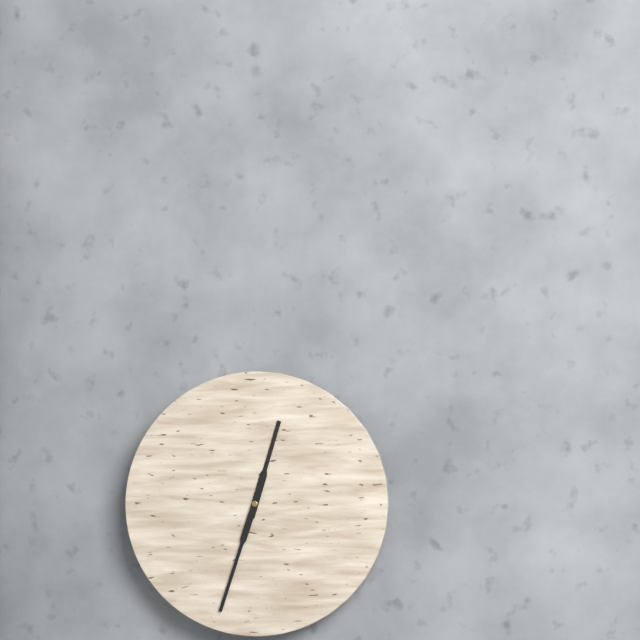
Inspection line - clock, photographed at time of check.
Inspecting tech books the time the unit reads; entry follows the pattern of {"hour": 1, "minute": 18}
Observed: {"hour": 12, "minute": 33}
